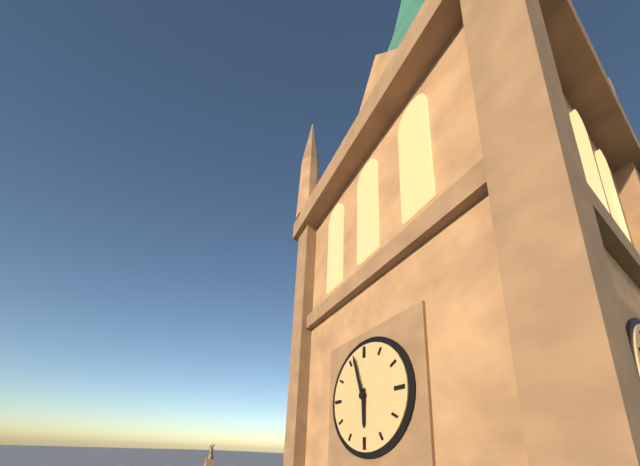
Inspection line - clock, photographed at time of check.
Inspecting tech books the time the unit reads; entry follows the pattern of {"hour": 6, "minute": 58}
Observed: {"hour": 5, "minute": 57}
